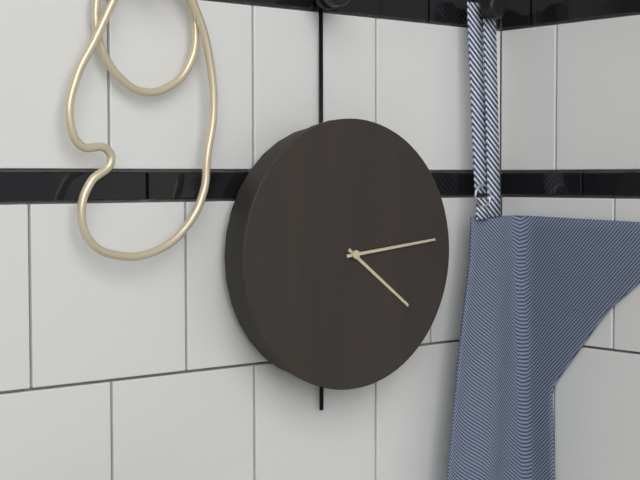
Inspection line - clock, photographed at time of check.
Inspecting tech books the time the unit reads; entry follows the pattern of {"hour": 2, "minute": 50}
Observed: {"hour": 4, "minute": 14}
